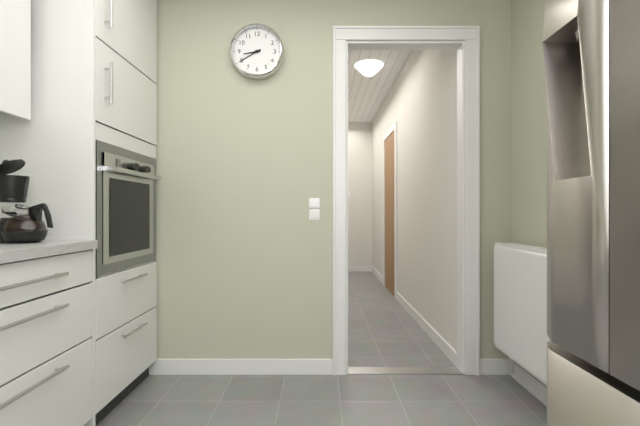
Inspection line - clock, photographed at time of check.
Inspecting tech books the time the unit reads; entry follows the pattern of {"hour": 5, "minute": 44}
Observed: {"hour": 8, "minute": 40}
